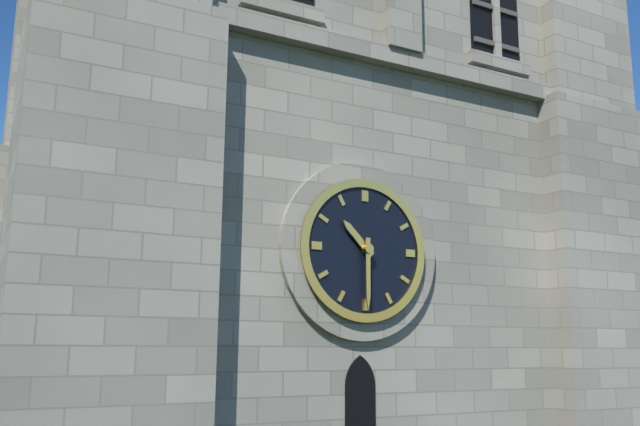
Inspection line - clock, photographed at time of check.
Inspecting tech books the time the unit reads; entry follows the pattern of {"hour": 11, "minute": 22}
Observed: {"hour": 10, "minute": 30}
